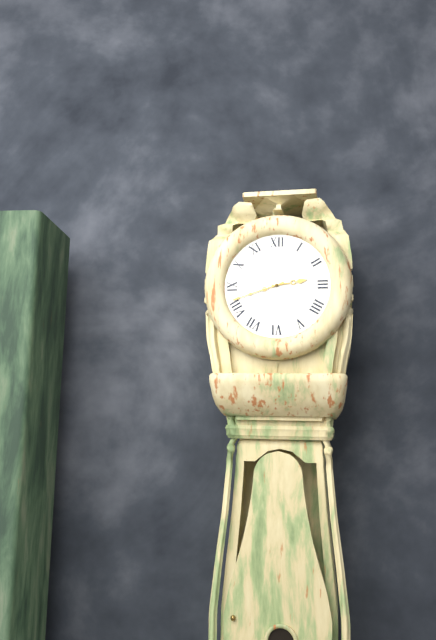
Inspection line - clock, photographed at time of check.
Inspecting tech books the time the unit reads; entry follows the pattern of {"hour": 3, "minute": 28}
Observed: {"hour": 2, "minute": 42}
